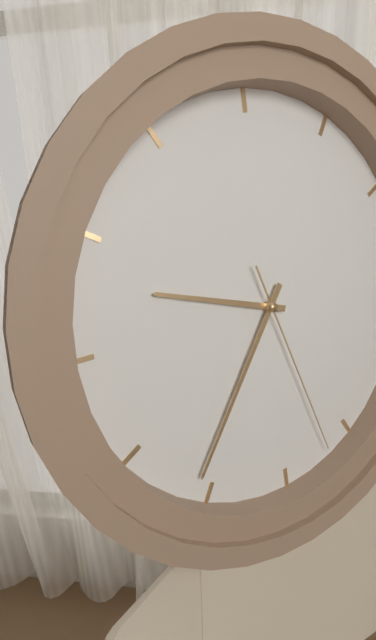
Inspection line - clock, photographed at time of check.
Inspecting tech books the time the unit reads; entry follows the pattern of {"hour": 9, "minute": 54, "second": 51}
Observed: {"hour": 9, "minute": 36, "second": 27}
